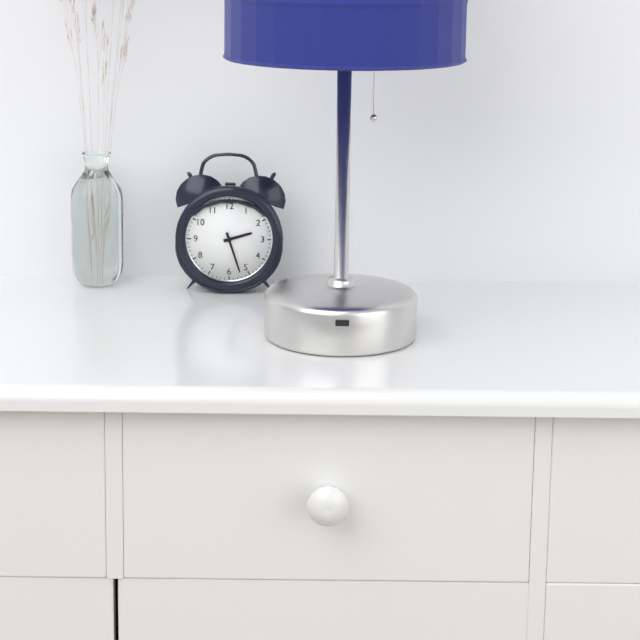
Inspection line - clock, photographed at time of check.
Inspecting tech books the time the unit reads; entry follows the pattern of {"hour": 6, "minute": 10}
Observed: {"hour": 2, "minute": 27}
